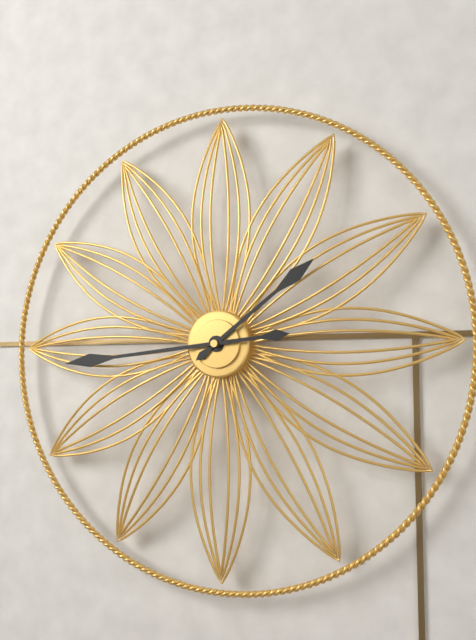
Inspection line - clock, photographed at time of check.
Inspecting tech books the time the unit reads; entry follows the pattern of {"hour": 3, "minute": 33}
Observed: {"hour": 1, "minute": 44}
